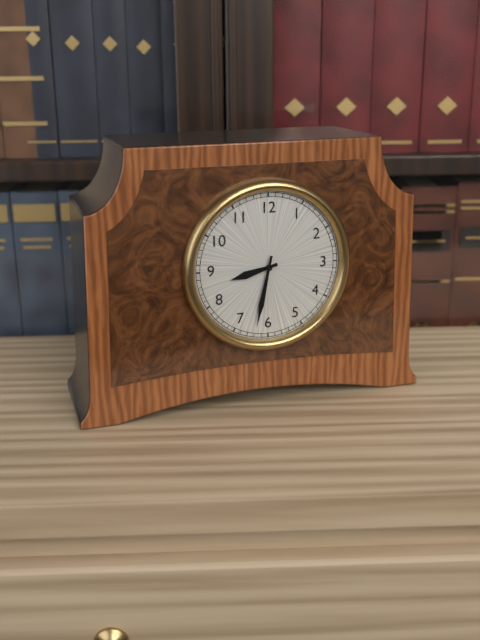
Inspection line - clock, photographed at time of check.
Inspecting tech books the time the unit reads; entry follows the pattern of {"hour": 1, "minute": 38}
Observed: {"hour": 8, "minute": 32}
